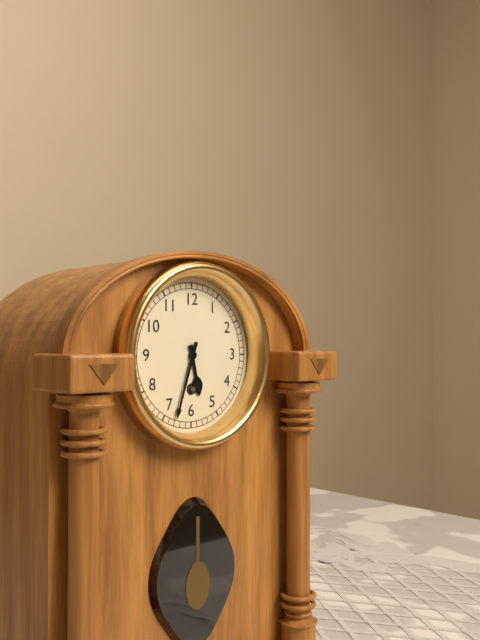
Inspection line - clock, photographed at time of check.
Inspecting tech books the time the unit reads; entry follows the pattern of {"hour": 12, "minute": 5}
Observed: {"hour": 5, "minute": 33}
